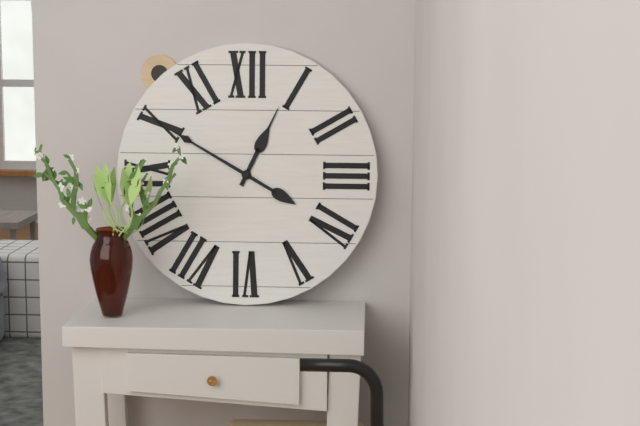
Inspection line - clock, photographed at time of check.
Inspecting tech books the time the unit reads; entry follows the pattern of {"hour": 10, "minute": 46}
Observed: {"hour": 12, "minute": 50}
